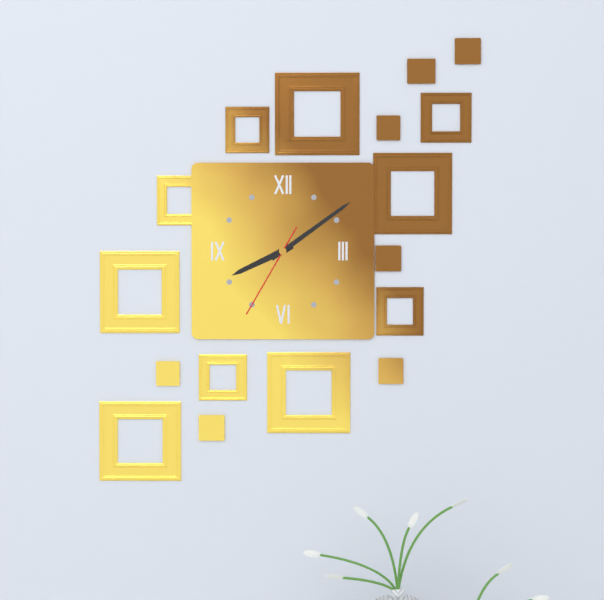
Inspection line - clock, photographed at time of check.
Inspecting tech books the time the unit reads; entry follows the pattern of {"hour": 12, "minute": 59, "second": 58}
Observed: {"hour": 8, "minute": 9, "second": 35}
